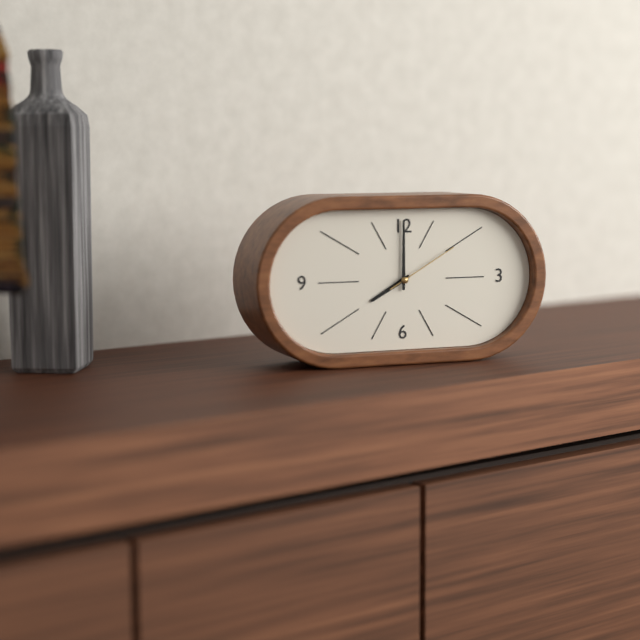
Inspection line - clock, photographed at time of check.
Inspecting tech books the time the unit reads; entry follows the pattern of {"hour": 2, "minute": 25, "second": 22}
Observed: {"hour": 8, "minute": 0, "second": 10}
